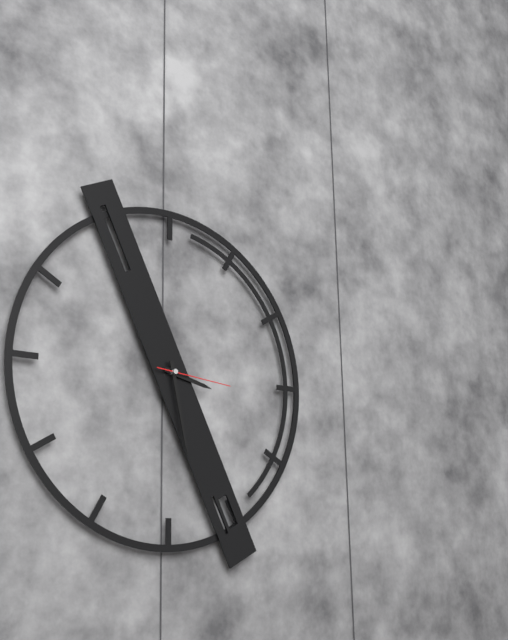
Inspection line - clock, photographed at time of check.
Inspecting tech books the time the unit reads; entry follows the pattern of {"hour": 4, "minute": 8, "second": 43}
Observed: {"hour": 3, "minute": 28, "second": 16}
